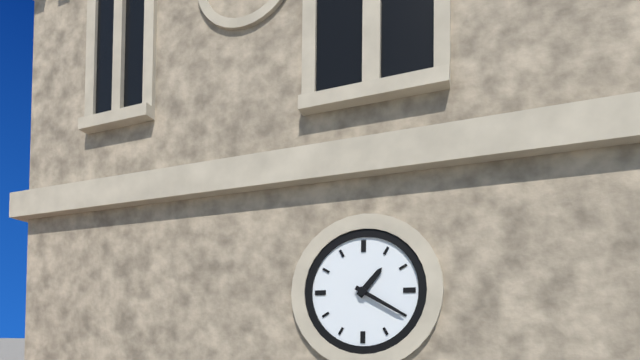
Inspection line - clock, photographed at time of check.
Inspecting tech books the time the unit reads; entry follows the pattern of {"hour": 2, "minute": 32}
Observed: {"hour": 1, "minute": 20}
